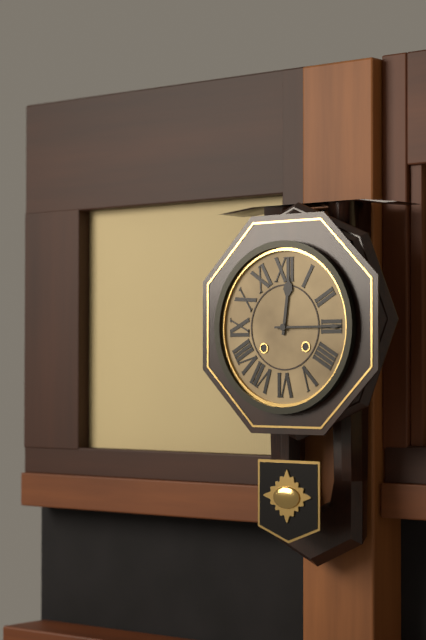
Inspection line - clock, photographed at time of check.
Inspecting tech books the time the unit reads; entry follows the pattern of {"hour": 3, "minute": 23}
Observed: {"hour": 12, "minute": 15}
